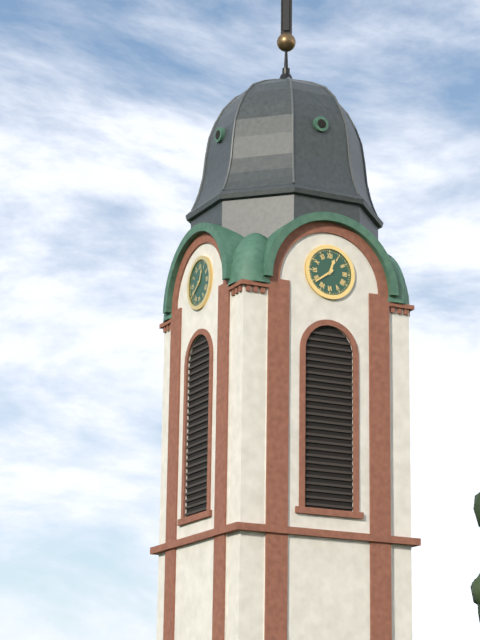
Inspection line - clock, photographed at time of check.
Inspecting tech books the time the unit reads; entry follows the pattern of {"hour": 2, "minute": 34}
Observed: {"hour": 12, "minute": 39}
